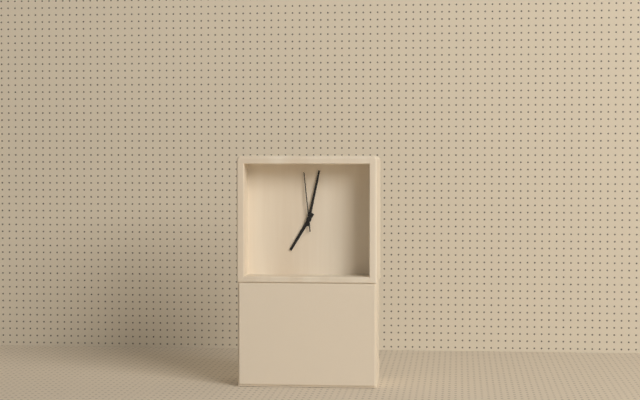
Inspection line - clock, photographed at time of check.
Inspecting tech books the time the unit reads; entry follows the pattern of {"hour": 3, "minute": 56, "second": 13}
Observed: {"hour": 7, "minute": 2, "second": 59}
